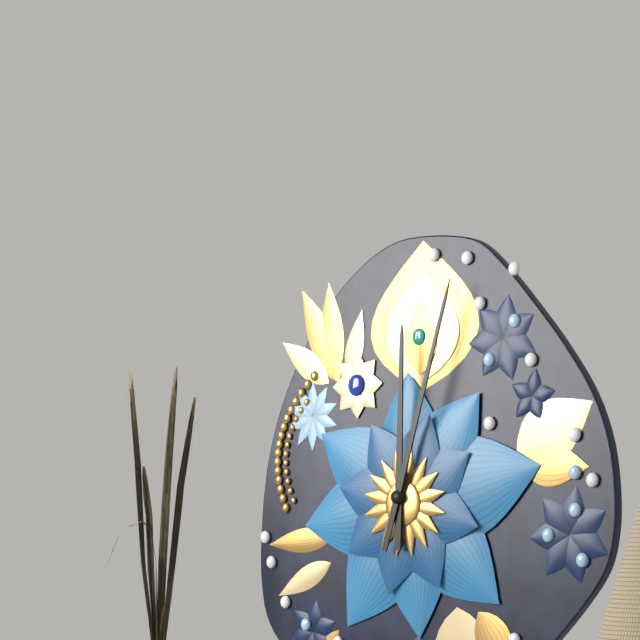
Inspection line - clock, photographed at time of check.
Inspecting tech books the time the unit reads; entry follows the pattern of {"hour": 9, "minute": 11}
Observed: {"hour": 12, "minute": 3}
